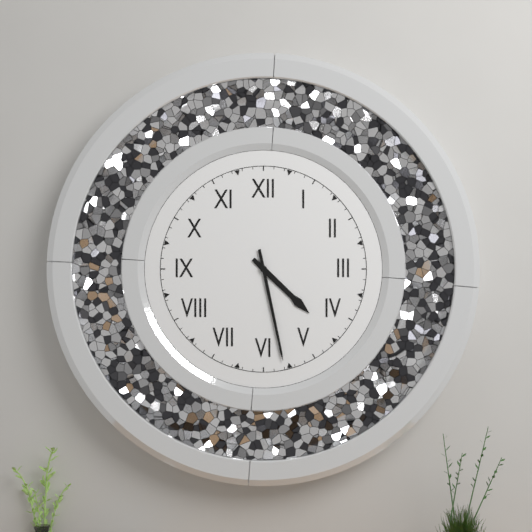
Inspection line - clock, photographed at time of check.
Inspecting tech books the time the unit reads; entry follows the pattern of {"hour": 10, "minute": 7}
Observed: {"hour": 4, "minute": 28}
